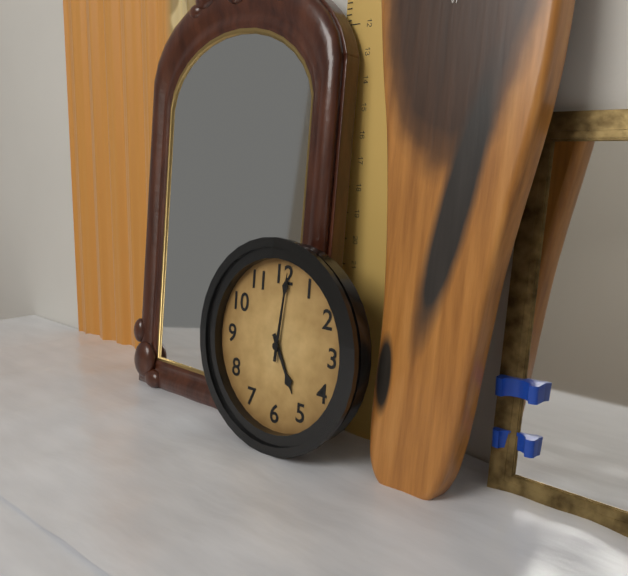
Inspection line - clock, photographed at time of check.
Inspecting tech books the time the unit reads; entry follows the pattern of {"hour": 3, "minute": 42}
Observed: {"hour": 5, "minute": 1}
